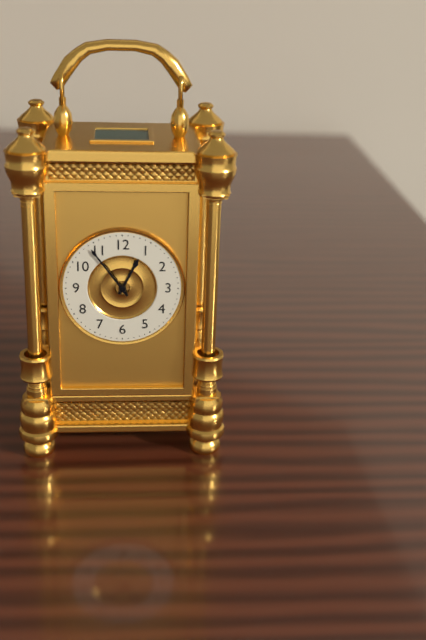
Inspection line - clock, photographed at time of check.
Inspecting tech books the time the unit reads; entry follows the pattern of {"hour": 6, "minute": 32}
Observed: {"hour": 12, "minute": 54}
